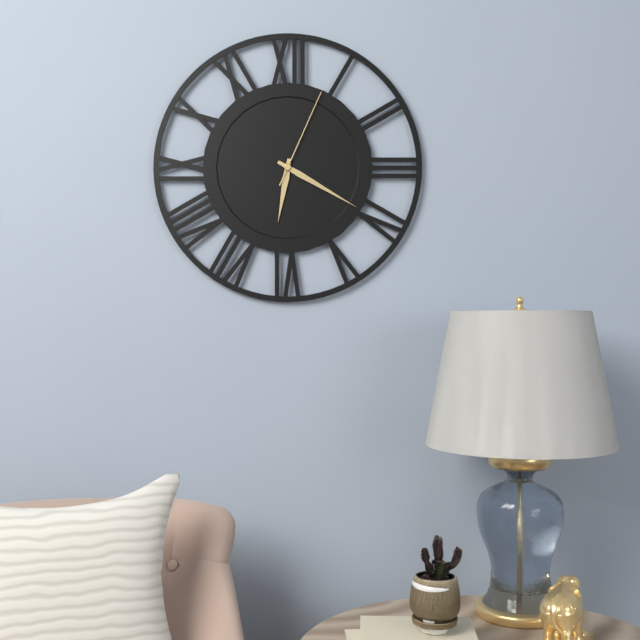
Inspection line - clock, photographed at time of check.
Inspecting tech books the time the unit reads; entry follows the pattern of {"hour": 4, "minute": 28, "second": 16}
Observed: {"hour": 6, "minute": 20, "second": 4}
